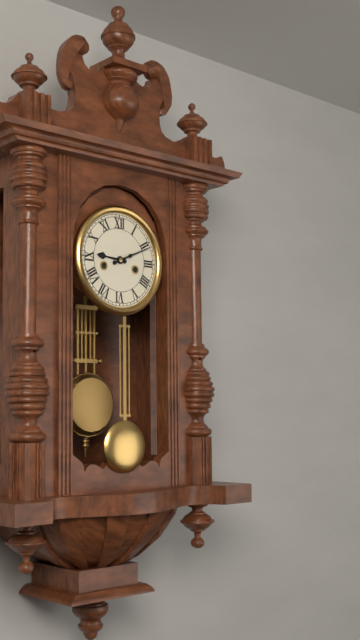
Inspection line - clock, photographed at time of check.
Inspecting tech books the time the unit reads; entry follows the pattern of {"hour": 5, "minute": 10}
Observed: {"hour": 9, "minute": 11}
